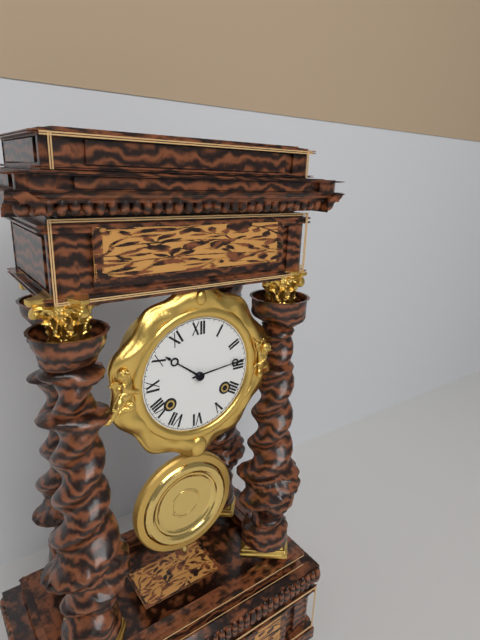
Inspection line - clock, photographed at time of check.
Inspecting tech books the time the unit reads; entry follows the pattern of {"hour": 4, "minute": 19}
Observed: {"hour": 10, "minute": 14}
